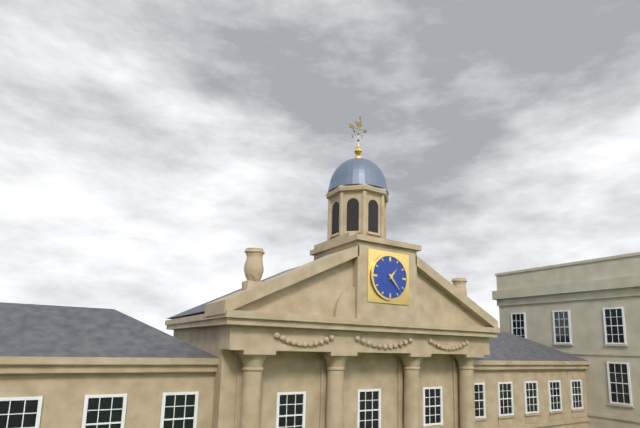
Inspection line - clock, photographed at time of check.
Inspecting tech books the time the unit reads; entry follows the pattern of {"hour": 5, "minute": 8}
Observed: {"hour": 1, "minute": 23}
